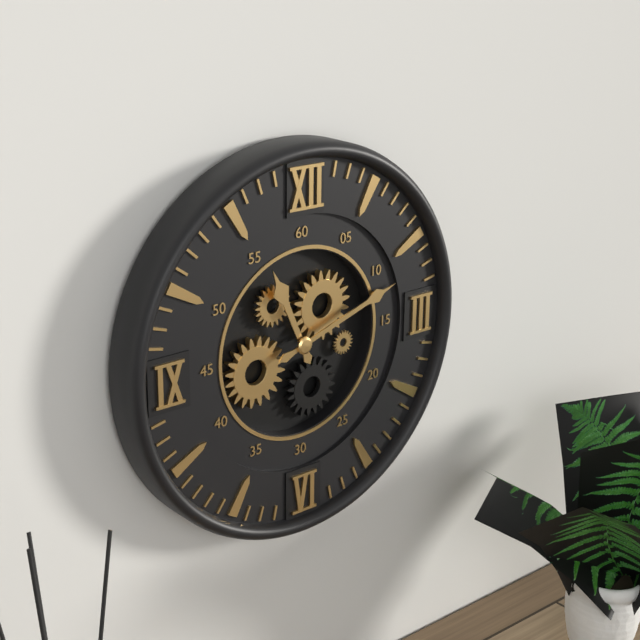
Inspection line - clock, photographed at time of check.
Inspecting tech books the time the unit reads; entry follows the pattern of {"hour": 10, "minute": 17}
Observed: {"hour": 11, "minute": 12}
